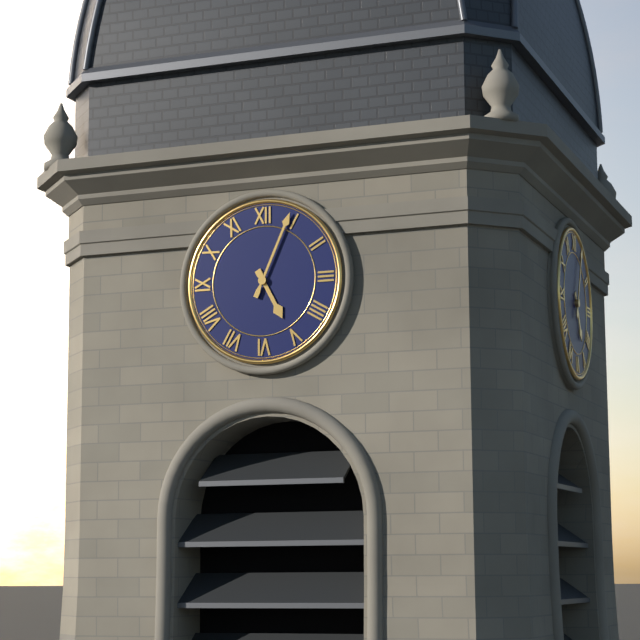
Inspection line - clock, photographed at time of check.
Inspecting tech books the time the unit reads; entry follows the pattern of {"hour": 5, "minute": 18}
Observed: {"hour": 5, "minute": 4}
